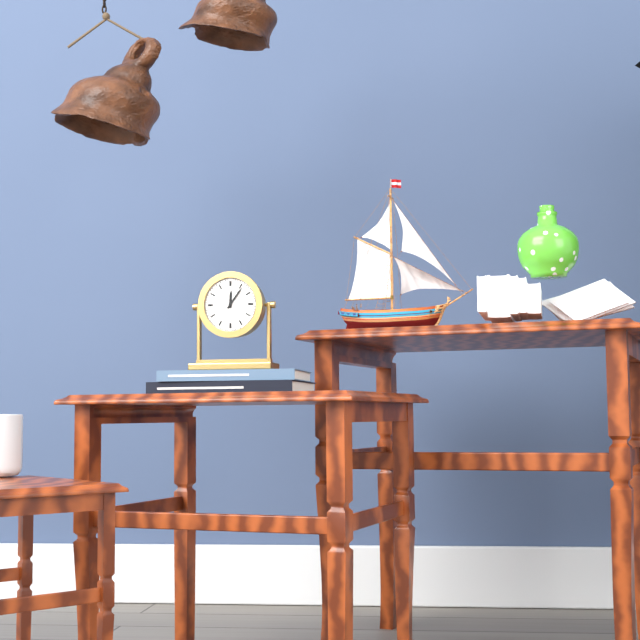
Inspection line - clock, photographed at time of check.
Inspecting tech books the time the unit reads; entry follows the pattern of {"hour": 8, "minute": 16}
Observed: {"hour": 12, "minute": 6}
